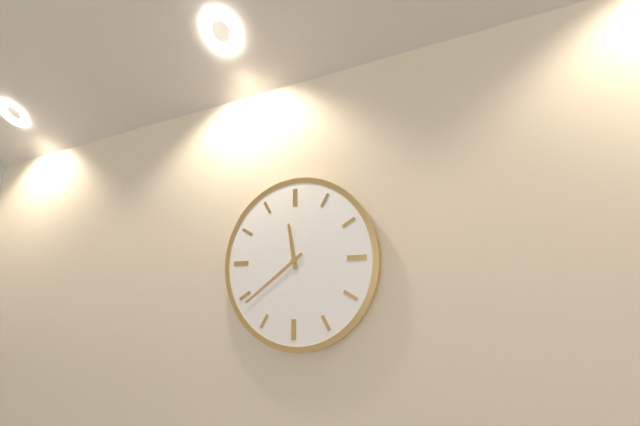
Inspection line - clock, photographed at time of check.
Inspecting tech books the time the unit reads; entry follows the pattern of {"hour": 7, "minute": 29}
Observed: {"hour": 11, "minute": 39}
